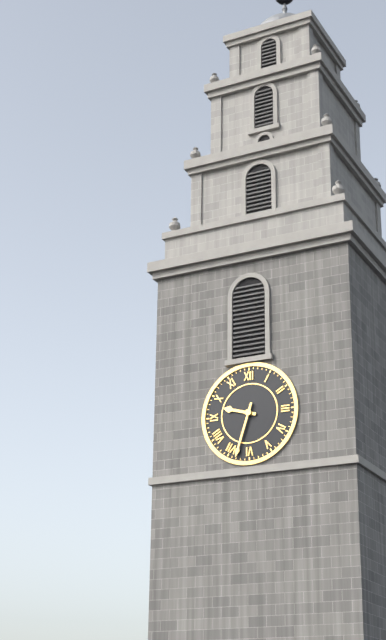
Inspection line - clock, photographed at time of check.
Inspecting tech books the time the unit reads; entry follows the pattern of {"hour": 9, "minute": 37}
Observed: {"hour": 9, "minute": 33}
